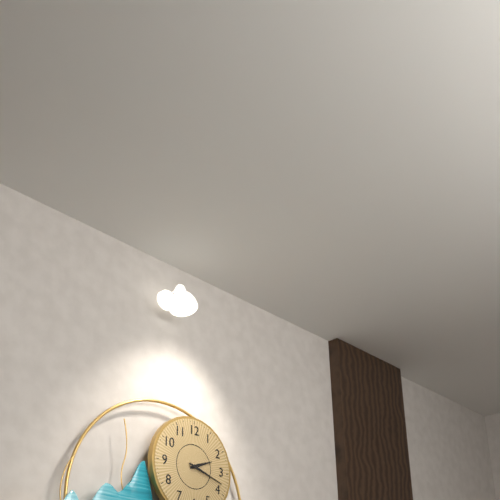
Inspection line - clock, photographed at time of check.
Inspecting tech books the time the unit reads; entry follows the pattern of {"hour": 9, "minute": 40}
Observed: {"hour": 2, "minute": 18}
